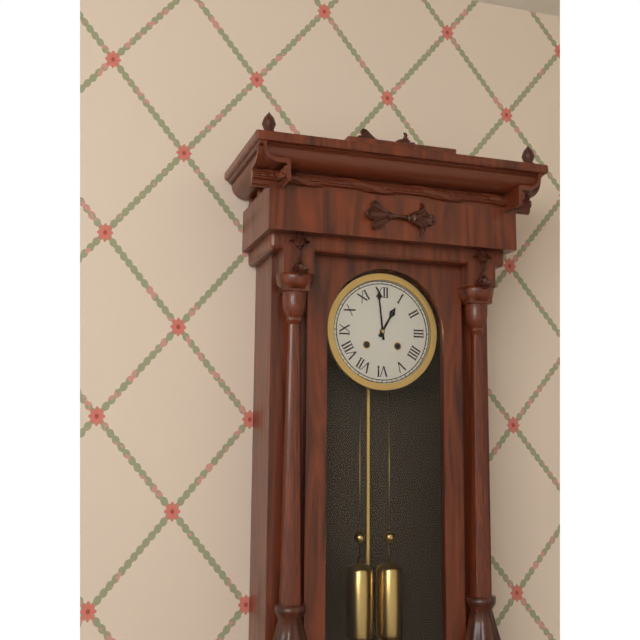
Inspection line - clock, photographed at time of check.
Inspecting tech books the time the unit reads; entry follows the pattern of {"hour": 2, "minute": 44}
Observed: {"hour": 12, "minute": 59}
